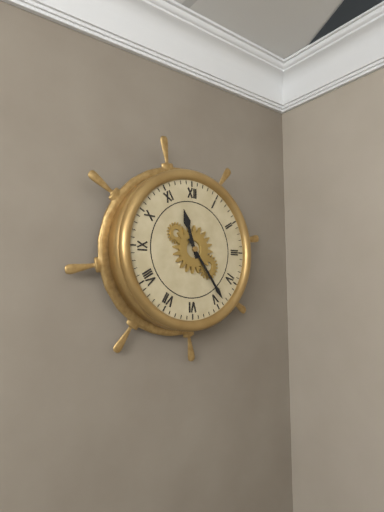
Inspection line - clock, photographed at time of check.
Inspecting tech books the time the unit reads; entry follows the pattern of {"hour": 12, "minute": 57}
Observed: {"hour": 11, "minute": 24}
